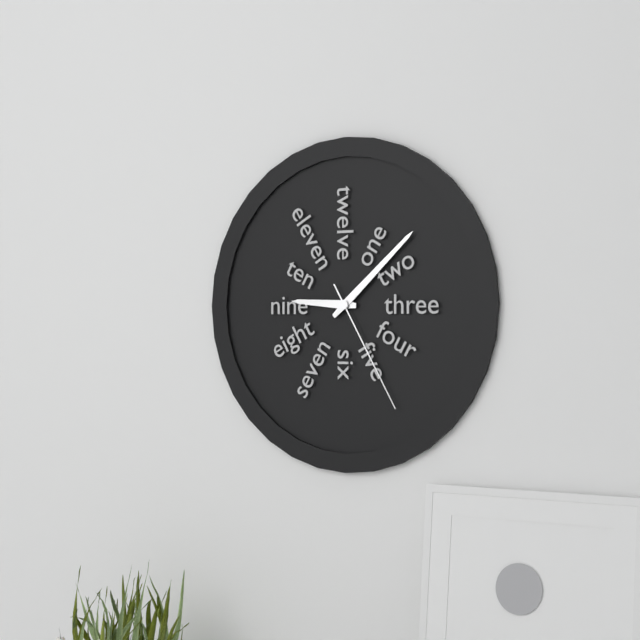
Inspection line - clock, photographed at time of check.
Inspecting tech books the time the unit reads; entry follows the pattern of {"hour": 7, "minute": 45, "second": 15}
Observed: {"hour": 9, "minute": 8, "second": 25}
